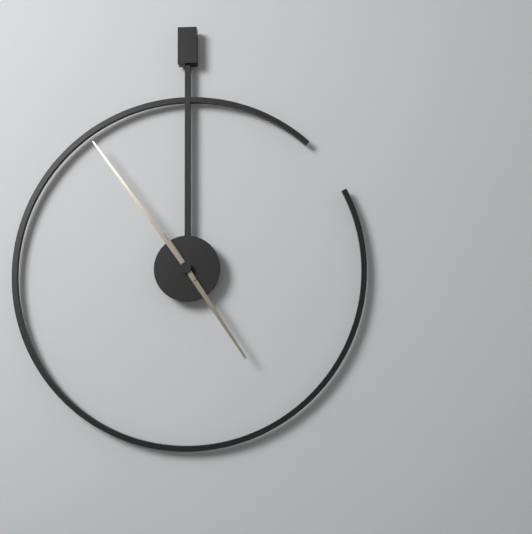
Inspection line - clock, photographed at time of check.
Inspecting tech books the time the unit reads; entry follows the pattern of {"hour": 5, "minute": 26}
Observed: {"hour": 4, "minute": 54}
